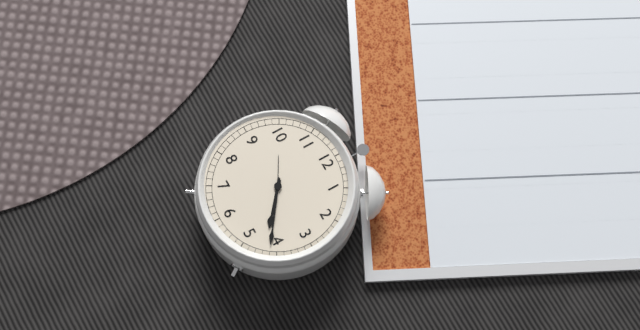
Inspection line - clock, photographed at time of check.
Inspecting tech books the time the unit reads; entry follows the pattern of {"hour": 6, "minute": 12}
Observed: {"hour": 4, "minute": 21}
